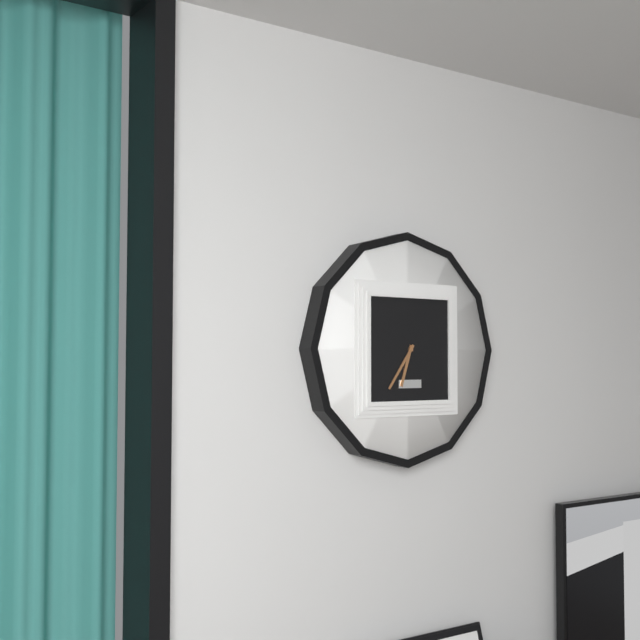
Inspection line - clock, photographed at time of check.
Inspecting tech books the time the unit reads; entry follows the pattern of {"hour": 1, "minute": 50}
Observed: {"hour": 6, "minute": 36}
